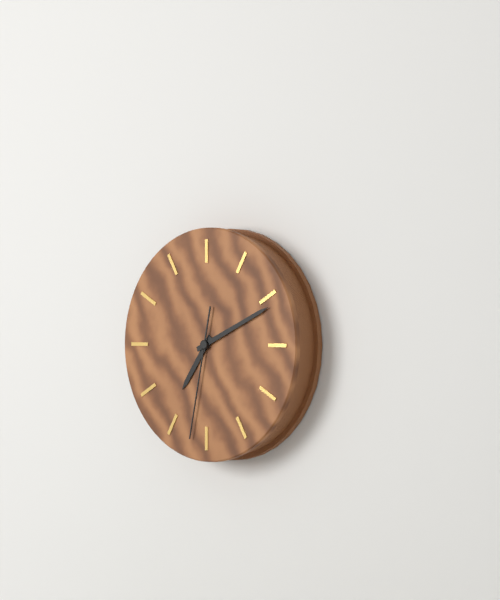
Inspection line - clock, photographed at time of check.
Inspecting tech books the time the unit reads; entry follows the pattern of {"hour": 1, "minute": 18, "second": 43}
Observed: {"hour": 7, "minute": 11, "second": 32}
